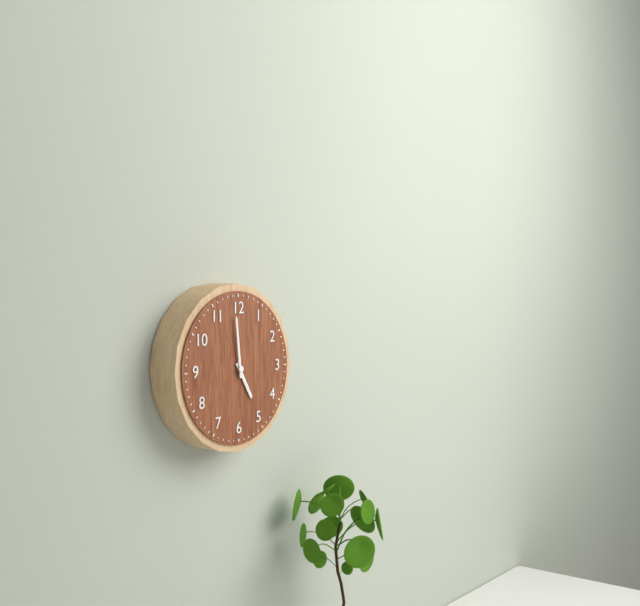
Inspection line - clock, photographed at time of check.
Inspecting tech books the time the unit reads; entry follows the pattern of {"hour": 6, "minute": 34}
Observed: {"hour": 4, "minute": 59}
